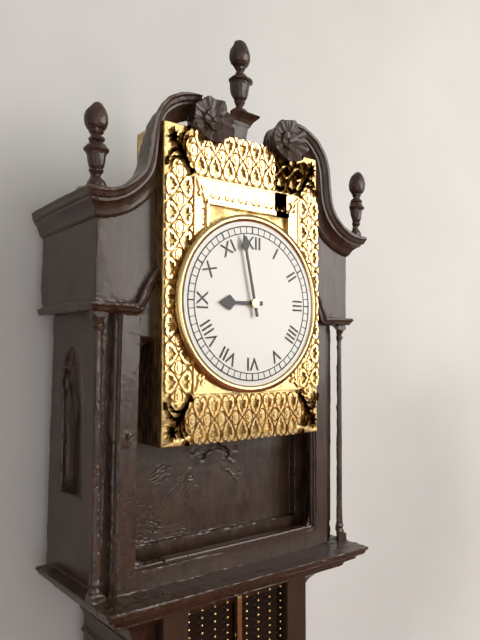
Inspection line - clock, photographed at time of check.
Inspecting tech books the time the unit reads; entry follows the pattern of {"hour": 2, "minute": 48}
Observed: {"hour": 8, "minute": 58}
